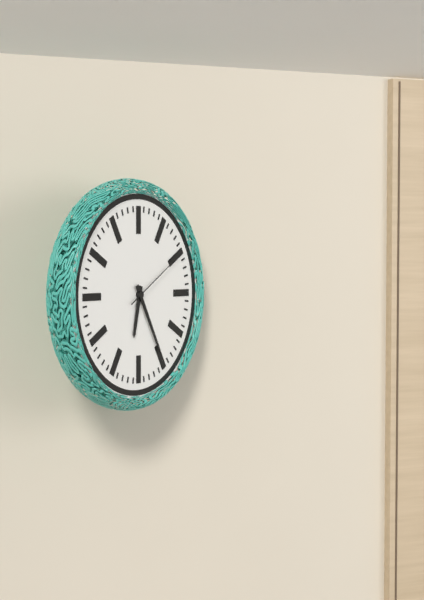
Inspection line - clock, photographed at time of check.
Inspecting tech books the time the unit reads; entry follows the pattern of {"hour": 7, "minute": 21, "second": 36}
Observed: {"hour": 6, "minute": 25, "second": 10}
